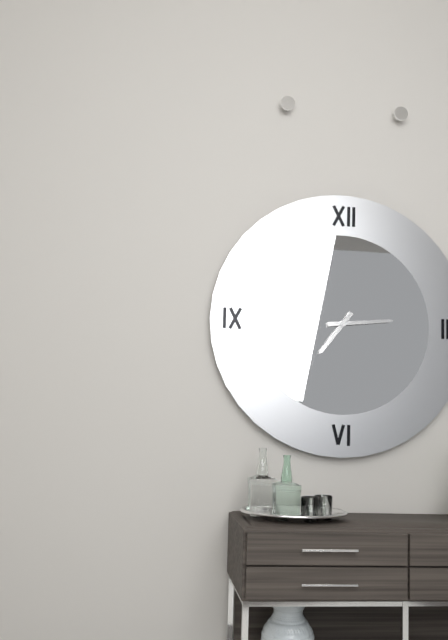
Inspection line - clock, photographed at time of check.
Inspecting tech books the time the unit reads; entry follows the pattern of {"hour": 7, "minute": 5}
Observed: {"hour": 7, "minute": 14}
